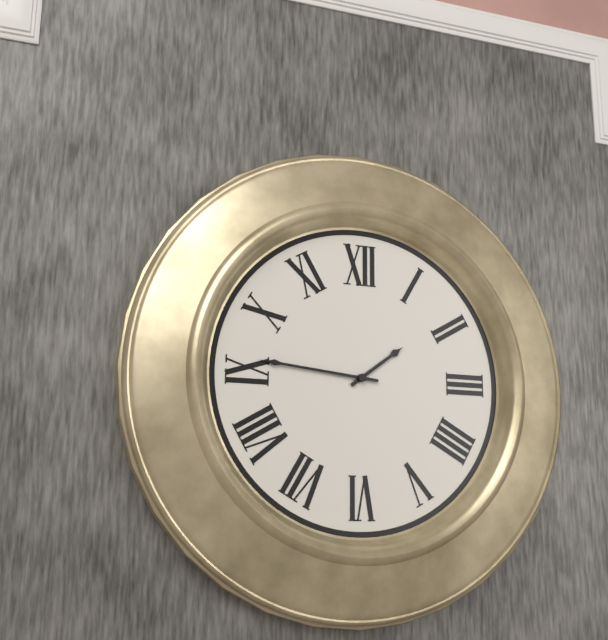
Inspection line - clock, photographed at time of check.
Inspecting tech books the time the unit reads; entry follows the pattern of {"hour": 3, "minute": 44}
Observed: {"hour": 1, "minute": 46}
